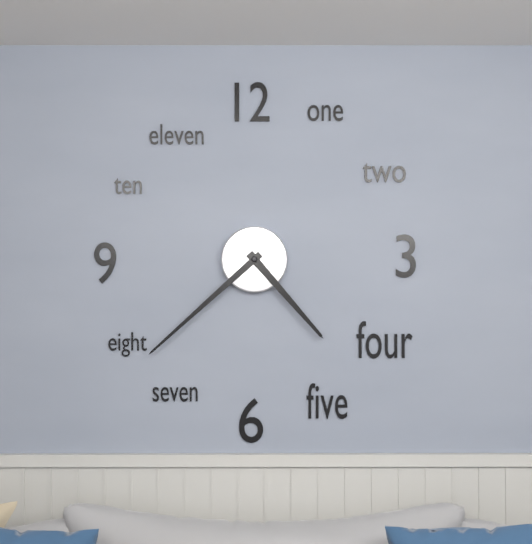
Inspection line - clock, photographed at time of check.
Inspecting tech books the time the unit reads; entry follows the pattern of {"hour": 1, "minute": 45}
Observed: {"hour": 4, "minute": 38}
